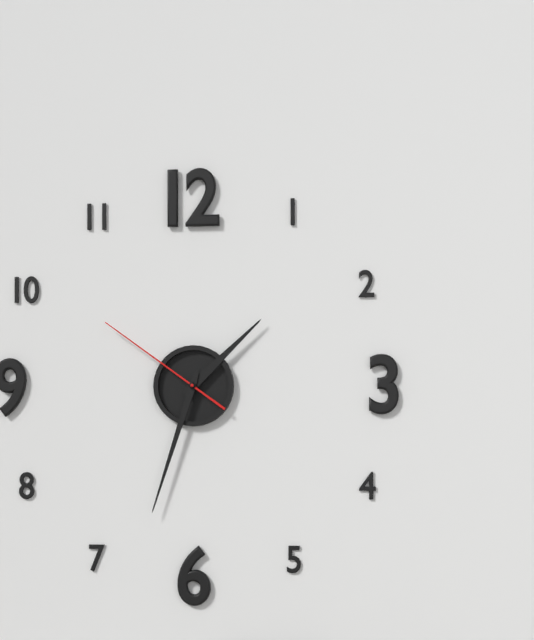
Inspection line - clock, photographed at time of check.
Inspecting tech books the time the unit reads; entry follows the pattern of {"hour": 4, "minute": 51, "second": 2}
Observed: {"hour": 1, "minute": 33, "second": 51}
